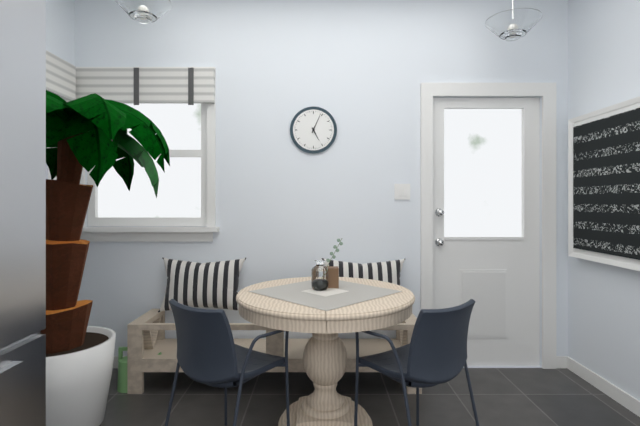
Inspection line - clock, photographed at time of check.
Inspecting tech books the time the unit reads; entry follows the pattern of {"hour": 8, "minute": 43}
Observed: {"hour": 5, "minute": 4}
